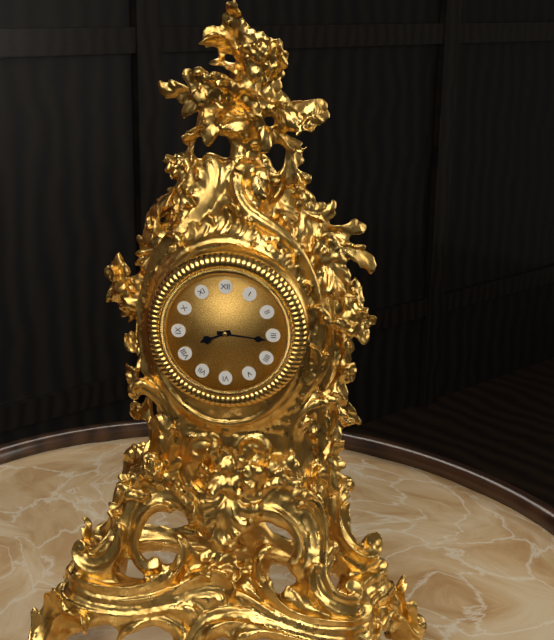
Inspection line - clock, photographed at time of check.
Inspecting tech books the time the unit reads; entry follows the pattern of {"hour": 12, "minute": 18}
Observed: {"hour": 8, "minute": 16}
